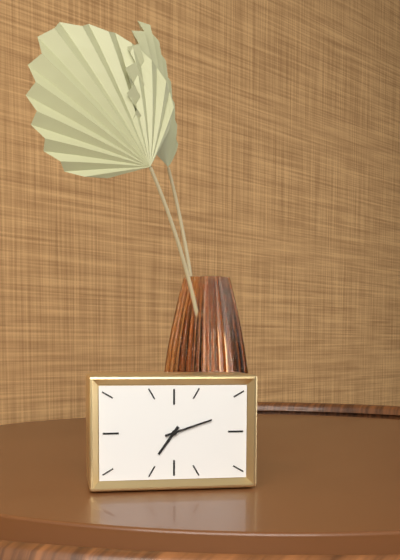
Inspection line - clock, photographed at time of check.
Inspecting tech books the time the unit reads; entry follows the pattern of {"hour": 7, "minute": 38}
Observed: {"hour": 7, "minute": 12}
